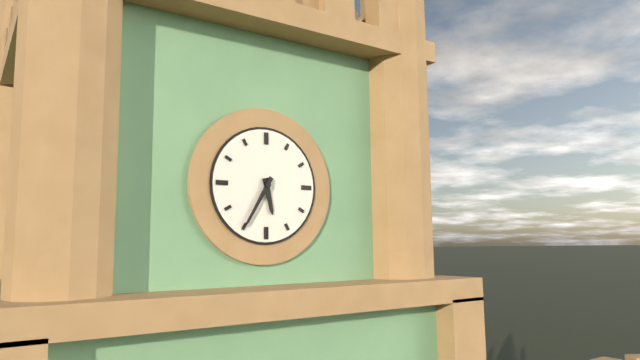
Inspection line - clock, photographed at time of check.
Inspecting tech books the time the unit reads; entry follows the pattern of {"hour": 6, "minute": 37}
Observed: {"hour": 5, "minute": 35}
